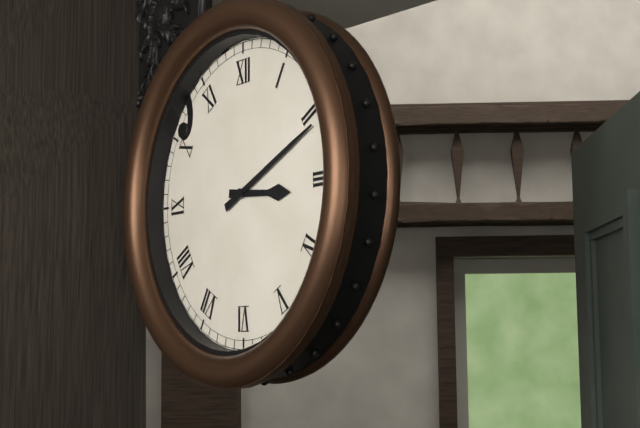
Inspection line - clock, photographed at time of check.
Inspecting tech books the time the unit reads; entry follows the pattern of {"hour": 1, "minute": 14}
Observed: {"hour": 3, "minute": 11}
